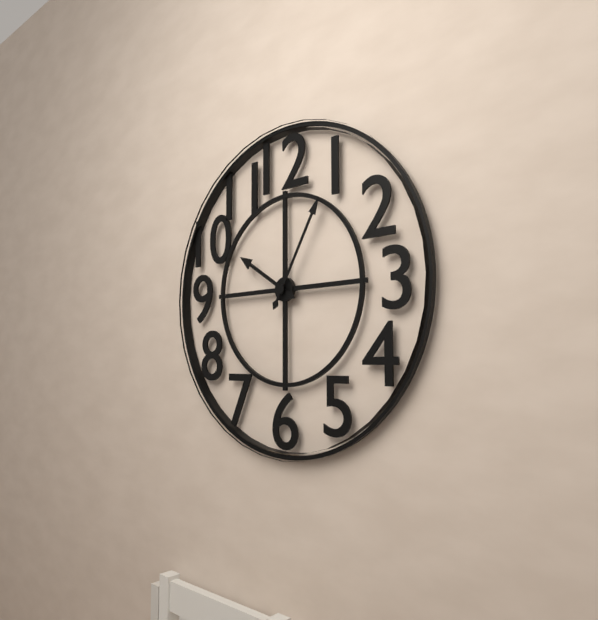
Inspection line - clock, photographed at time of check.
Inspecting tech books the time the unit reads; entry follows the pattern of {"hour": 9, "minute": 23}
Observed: {"hour": 10, "minute": 5}
